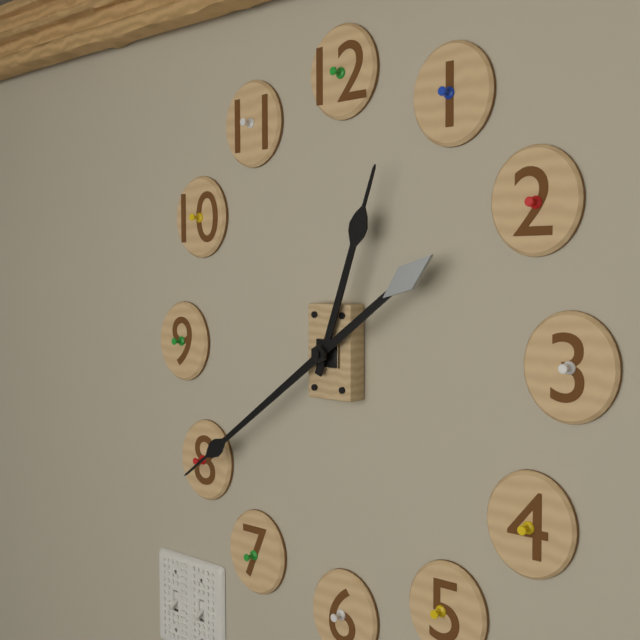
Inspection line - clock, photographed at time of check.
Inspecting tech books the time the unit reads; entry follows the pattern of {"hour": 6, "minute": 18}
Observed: {"hour": 12, "minute": 39}
